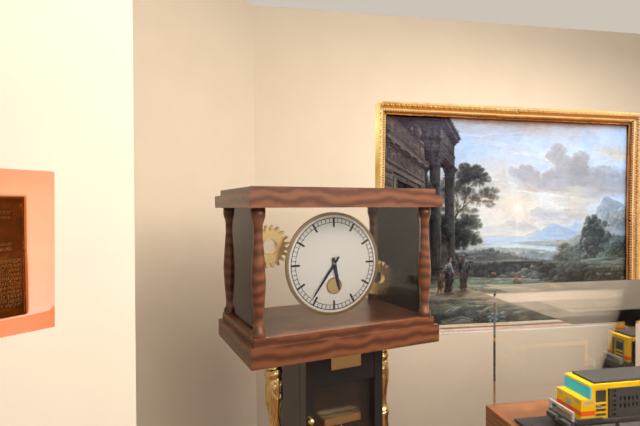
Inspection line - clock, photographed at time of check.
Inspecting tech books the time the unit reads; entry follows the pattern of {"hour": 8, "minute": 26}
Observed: {"hour": 5, "minute": 36}
